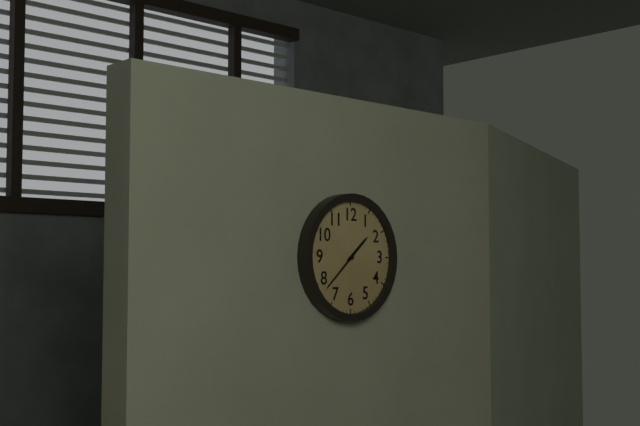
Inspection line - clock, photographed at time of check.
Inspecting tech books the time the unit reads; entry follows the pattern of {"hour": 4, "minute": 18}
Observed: {"hour": 1, "minute": 38}
